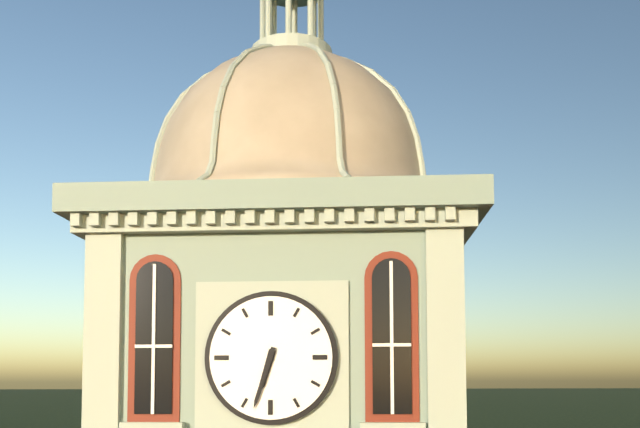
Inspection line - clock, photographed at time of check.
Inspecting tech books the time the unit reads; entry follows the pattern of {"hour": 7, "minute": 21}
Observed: {"hour": 6, "minute": 33}
